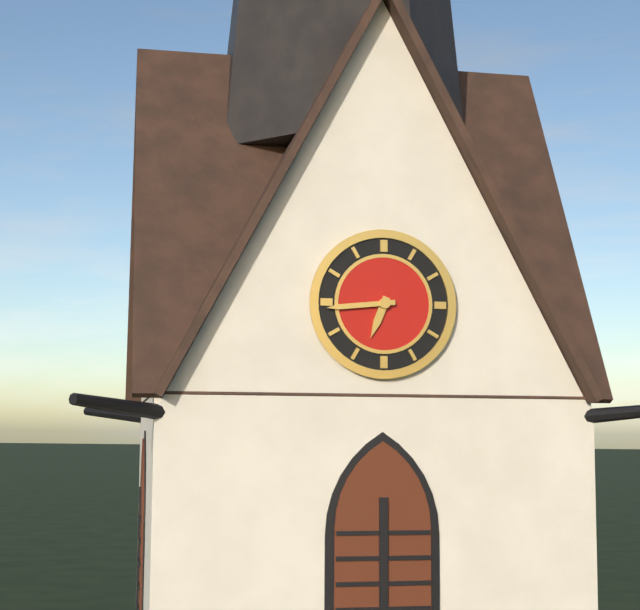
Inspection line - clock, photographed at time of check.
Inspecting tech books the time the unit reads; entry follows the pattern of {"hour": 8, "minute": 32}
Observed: {"hour": 6, "minute": 44}
